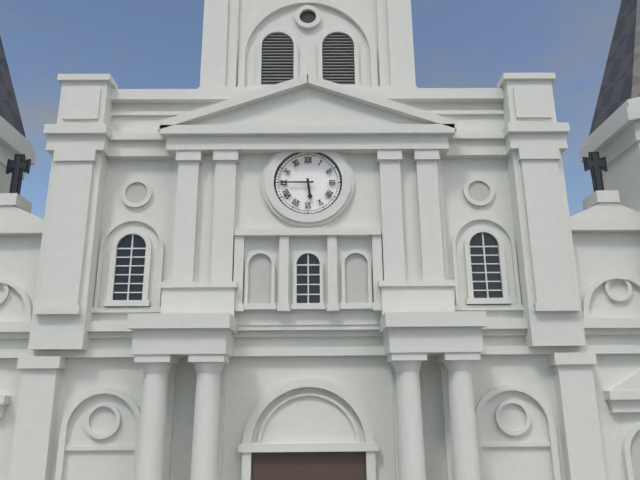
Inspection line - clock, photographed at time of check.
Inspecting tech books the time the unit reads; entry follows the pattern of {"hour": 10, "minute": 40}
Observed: {"hour": 5, "minute": 45}
